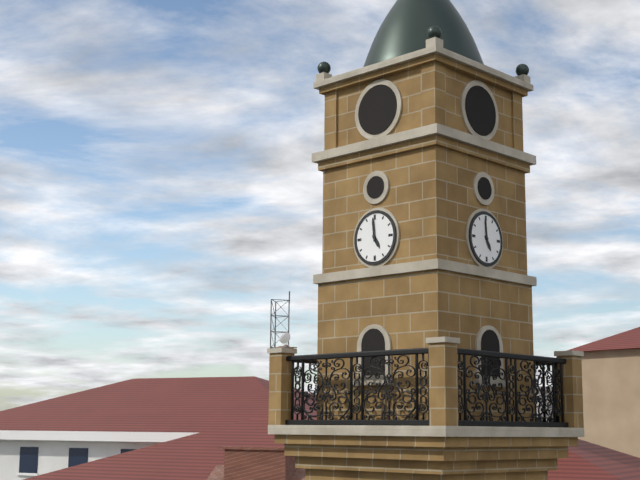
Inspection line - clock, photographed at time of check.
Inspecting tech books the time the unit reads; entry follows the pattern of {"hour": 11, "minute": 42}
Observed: {"hour": 4, "minute": 59}
